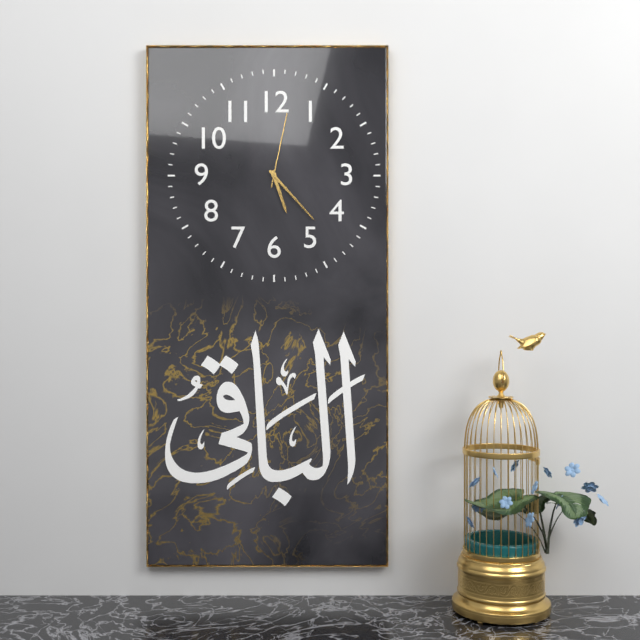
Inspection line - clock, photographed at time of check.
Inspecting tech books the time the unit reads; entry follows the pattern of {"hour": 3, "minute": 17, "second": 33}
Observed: {"hour": 5, "minute": 23, "second": 2}
